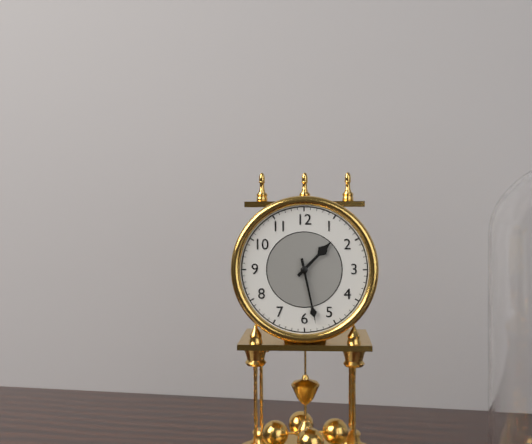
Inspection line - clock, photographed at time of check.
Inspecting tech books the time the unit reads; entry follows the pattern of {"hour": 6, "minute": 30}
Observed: {"hour": 1, "minute": 28}
